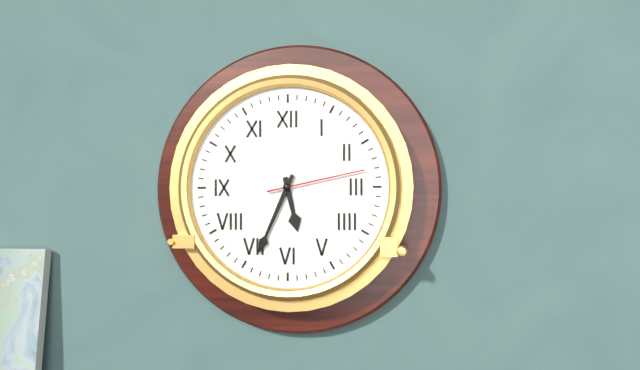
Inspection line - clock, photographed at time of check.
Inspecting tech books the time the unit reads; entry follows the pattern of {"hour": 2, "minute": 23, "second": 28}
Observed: {"hour": 5, "minute": 34, "second": 13}
